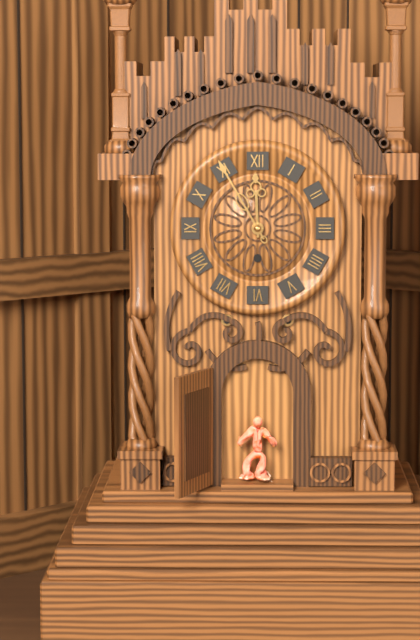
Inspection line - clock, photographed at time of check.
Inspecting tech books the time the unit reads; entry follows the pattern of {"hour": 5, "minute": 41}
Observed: {"hour": 11, "minute": 55}
